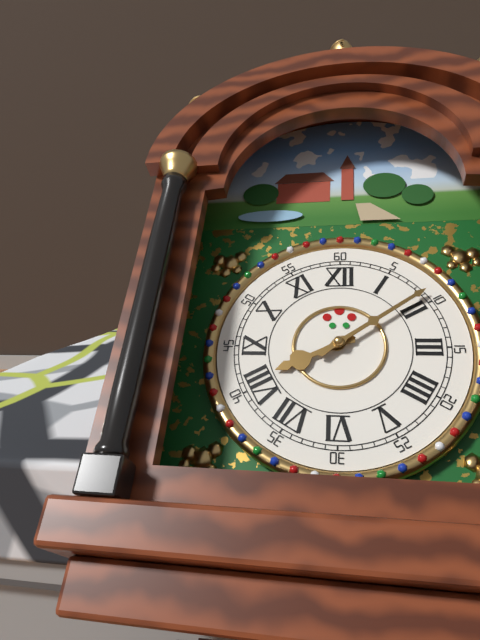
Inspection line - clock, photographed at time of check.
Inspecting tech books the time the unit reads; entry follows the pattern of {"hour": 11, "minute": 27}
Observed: {"hour": 8, "minute": 9}
